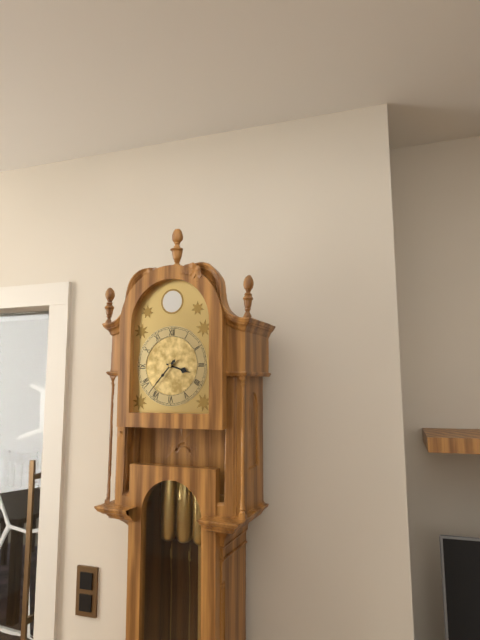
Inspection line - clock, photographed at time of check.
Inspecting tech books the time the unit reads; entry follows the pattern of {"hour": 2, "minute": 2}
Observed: {"hour": 3, "minute": 37}
